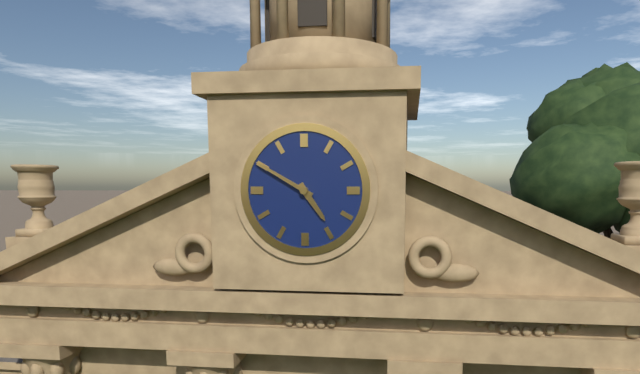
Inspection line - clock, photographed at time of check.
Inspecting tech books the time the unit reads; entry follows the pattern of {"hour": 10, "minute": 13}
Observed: {"hour": 4, "minute": 50}
